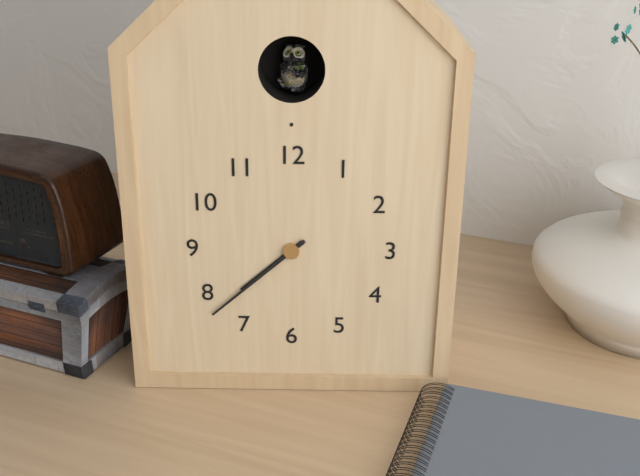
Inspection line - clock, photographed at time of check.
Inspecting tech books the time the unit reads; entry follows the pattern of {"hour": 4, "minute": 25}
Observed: {"hour": 7, "minute": 38}
